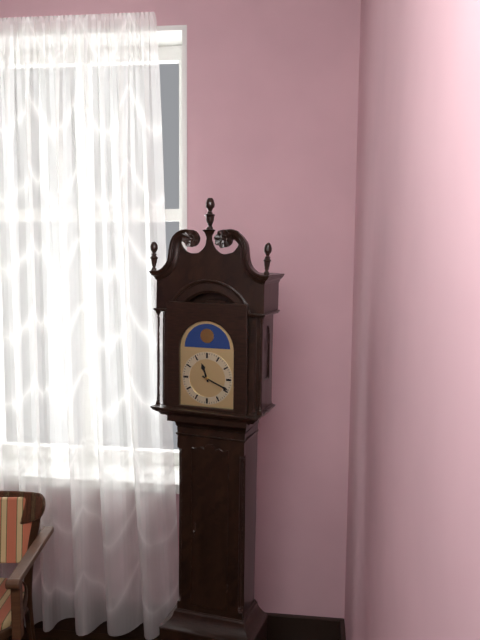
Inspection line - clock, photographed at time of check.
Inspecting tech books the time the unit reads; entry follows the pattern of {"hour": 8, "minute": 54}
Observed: {"hour": 11, "minute": 19}
